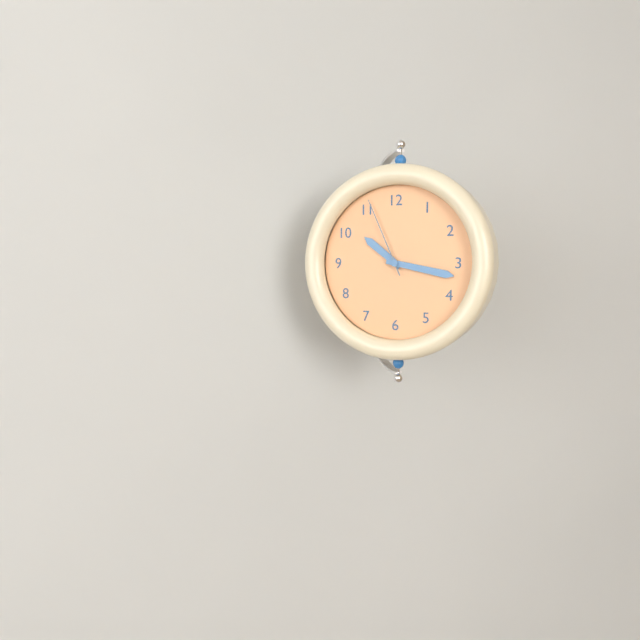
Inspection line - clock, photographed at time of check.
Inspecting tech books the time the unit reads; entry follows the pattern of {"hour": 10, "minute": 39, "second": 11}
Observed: {"hour": 10, "minute": 17, "second": 56}
